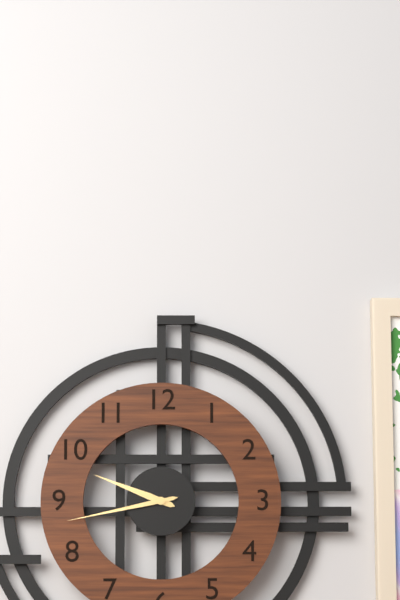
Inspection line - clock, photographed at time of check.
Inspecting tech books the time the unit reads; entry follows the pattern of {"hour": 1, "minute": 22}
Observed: {"hour": 9, "minute": 43}
